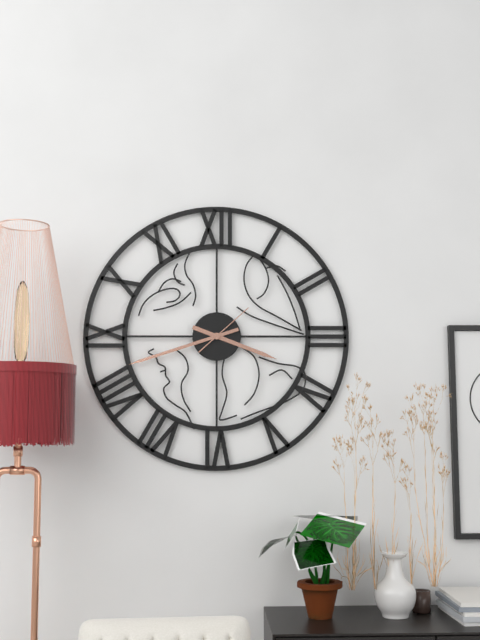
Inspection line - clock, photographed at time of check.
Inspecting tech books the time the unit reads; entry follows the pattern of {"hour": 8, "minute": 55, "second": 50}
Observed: {"hour": 3, "minute": 42, "second": 8}
